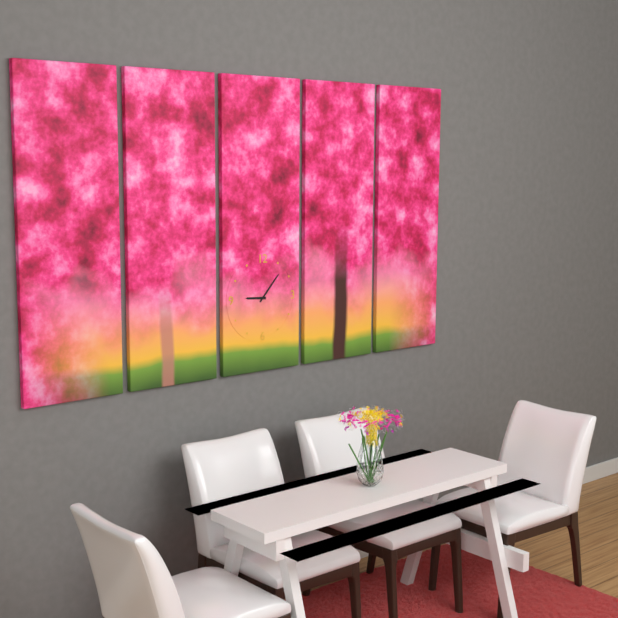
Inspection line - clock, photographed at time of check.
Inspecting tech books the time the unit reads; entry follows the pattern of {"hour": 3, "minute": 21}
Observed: {"hour": 9, "minute": 7}
